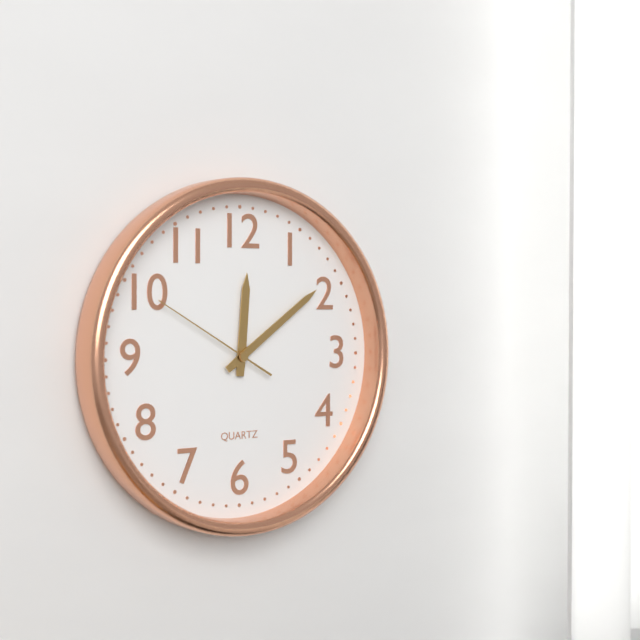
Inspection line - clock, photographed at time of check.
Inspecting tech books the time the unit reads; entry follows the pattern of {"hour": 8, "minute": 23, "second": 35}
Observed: {"hour": 12, "minute": 9, "second": 50}
